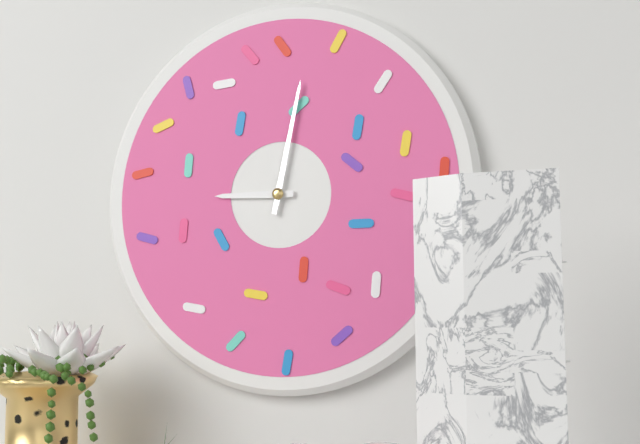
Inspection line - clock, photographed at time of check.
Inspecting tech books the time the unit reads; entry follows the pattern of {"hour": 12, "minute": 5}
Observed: {"hour": 9, "minute": 2}
